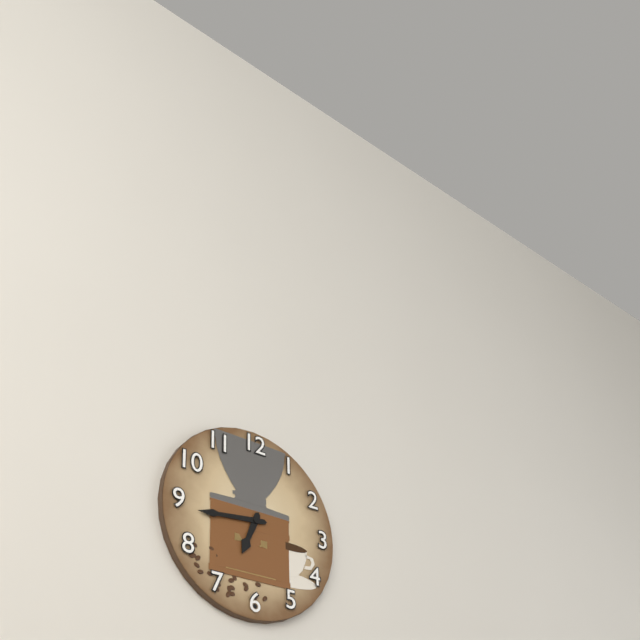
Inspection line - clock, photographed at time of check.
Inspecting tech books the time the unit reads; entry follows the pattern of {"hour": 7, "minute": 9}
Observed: {"hour": 6, "minute": 44}
